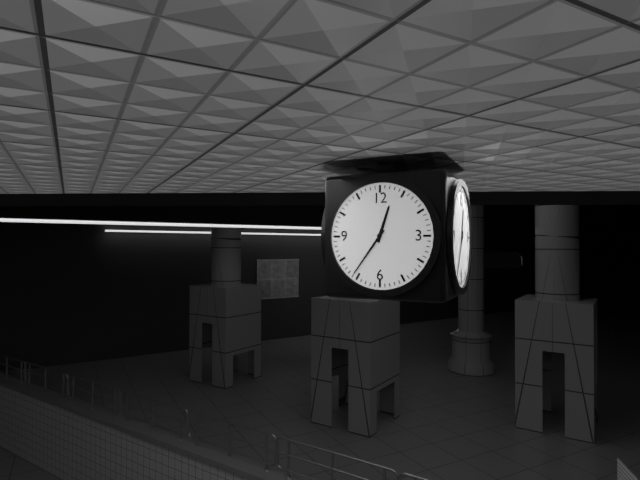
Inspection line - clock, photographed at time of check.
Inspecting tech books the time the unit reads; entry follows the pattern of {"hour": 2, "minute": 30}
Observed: {"hour": 12, "minute": 36}
